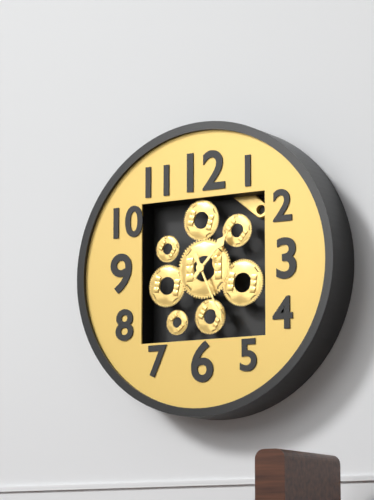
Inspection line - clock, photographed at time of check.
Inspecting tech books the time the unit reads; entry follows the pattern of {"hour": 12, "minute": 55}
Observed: {"hour": 1, "minute": 26}
